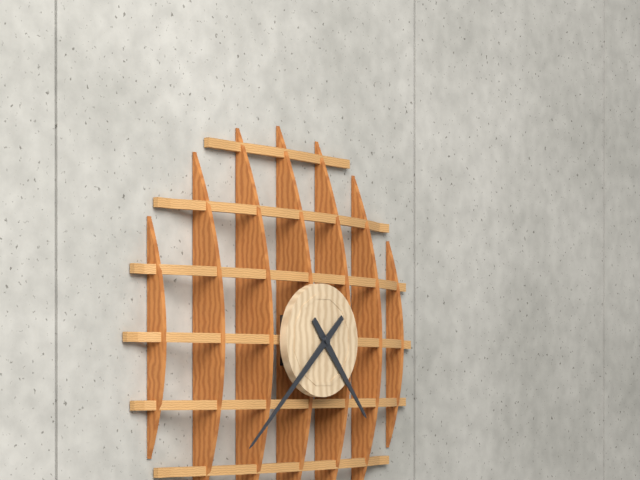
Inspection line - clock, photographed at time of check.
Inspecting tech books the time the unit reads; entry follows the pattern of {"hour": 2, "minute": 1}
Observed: {"hour": 4, "minute": 38}
